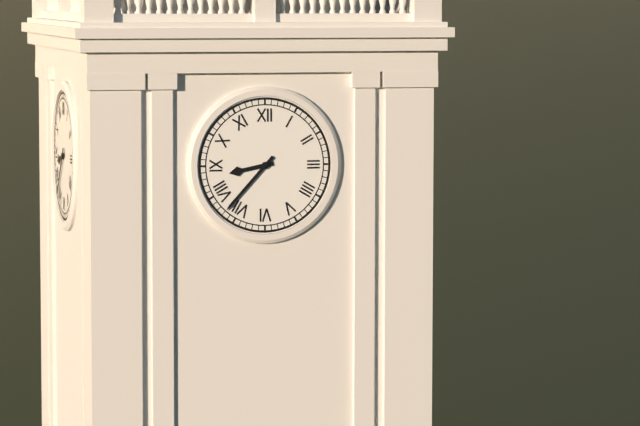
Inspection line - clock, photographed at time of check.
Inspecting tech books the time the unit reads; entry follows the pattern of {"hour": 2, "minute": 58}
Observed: {"hour": 8, "minute": 37}
